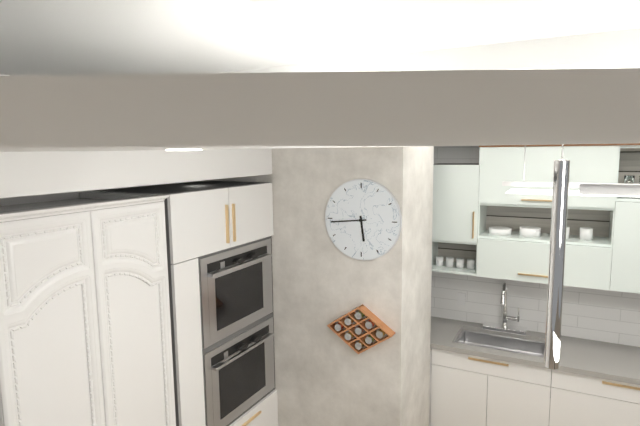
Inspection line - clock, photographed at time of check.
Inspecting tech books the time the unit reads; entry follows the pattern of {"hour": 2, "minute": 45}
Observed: {"hour": 5, "minute": 44}
